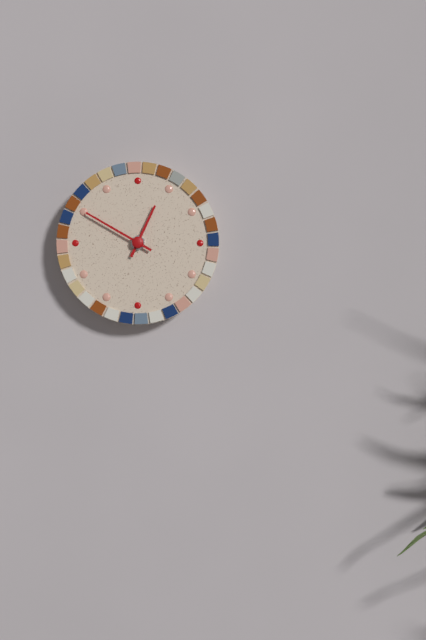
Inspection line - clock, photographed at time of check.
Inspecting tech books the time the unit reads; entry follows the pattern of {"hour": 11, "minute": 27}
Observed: {"hour": 12, "minute": 50}
